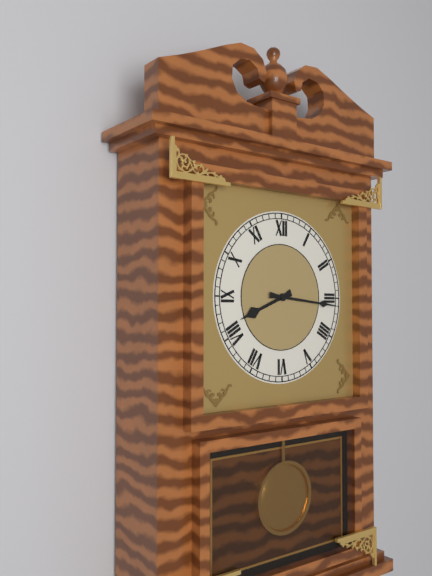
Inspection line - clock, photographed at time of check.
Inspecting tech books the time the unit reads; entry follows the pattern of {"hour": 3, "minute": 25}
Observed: {"hour": 8, "minute": 16}
